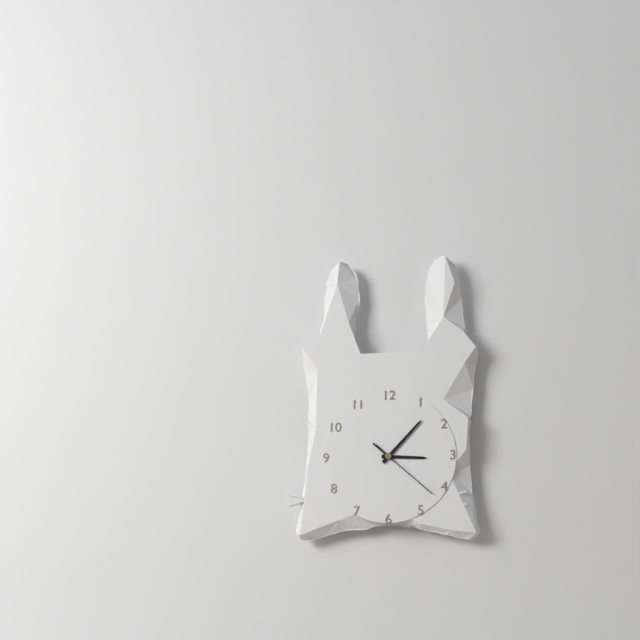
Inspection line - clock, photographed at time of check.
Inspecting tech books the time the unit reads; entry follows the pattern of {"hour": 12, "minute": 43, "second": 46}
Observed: {"hour": 3, "minute": 7, "second": 22}
